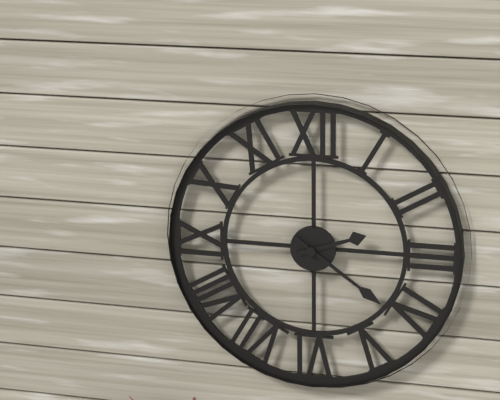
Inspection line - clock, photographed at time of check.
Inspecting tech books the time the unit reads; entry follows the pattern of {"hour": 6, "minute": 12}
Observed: {"hour": 2, "minute": 21}
